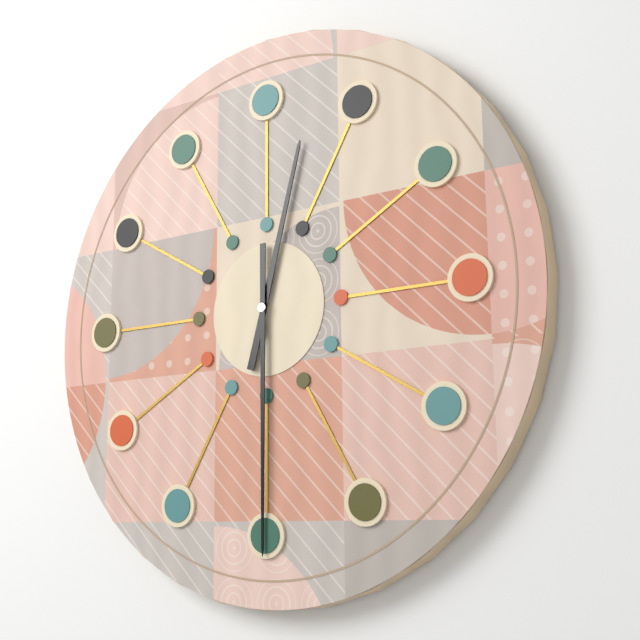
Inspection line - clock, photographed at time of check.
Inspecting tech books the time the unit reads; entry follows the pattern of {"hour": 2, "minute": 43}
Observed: {"hour": 12, "minute": 30}
